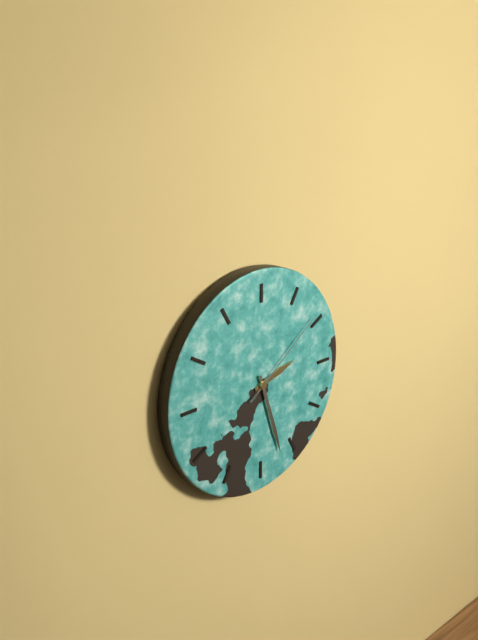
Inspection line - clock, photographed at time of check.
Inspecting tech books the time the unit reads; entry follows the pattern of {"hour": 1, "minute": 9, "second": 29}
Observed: {"hour": 2, "minute": 27, "second": 9}
